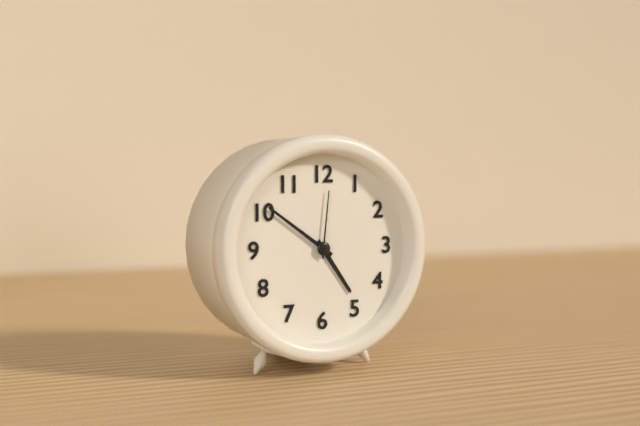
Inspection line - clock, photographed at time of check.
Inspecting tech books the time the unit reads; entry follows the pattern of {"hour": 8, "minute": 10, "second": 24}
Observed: {"hour": 4, "minute": 51, "second": 1}
